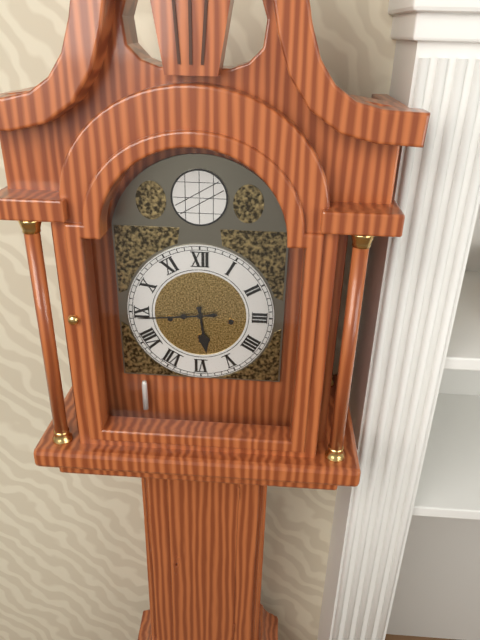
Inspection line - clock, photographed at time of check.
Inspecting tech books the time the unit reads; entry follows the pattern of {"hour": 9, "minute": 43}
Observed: {"hour": 5, "minute": 44}
